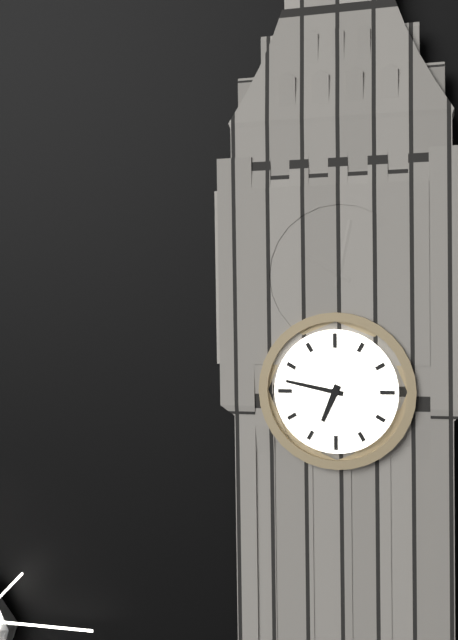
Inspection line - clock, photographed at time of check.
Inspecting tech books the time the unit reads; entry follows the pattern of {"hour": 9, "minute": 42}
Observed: {"hour": 6, "minute": 47}
